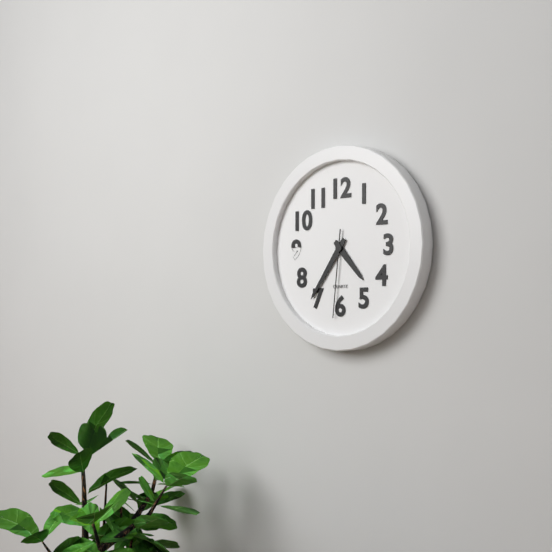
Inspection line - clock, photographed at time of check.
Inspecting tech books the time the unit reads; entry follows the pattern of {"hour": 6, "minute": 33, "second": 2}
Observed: {"hour": 4, "minute": 36, "second": 31}
